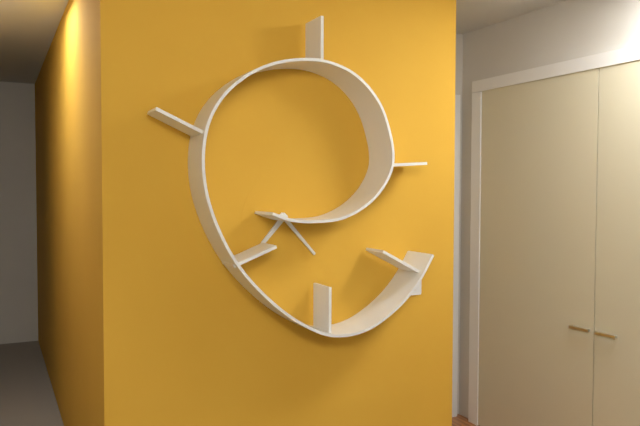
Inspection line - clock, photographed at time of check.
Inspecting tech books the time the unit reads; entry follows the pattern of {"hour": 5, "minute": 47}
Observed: {"hour": 7, "minute": 23}
